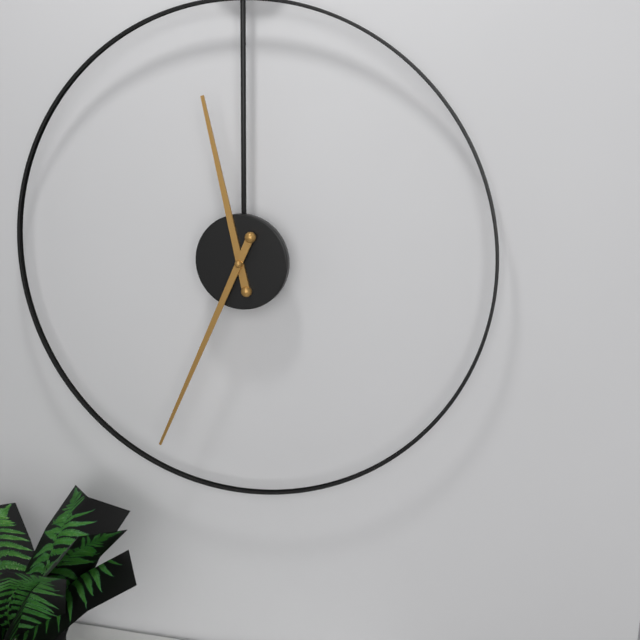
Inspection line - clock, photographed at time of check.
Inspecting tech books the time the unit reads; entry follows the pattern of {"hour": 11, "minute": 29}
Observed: {"hour": 11, "minute": 34}
